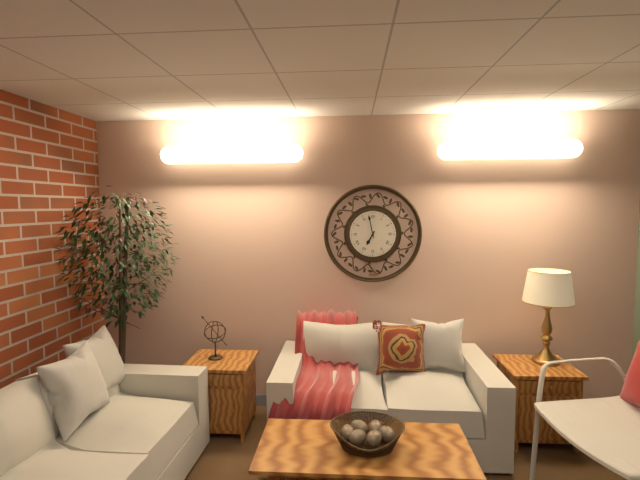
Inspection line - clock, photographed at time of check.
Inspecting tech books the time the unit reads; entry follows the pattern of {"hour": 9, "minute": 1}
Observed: {"hour": 6, "minute": 58}
